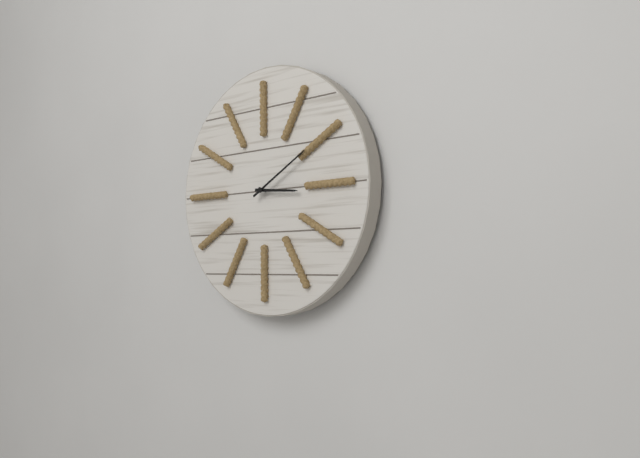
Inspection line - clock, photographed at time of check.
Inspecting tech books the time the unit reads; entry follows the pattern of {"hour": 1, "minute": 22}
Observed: {"hour": 3, "minute": 10}
